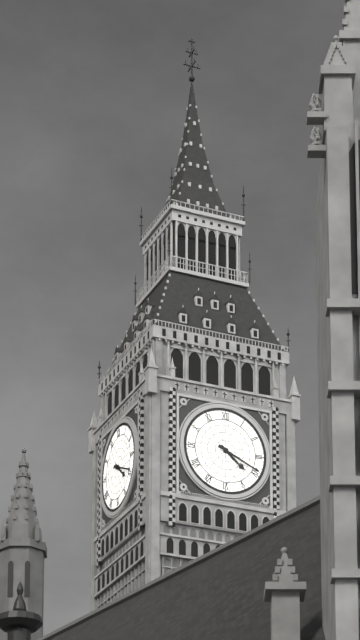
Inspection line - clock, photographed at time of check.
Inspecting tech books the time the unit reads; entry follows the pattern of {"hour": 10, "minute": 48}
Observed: {"hour": 4, "minute": 19}
